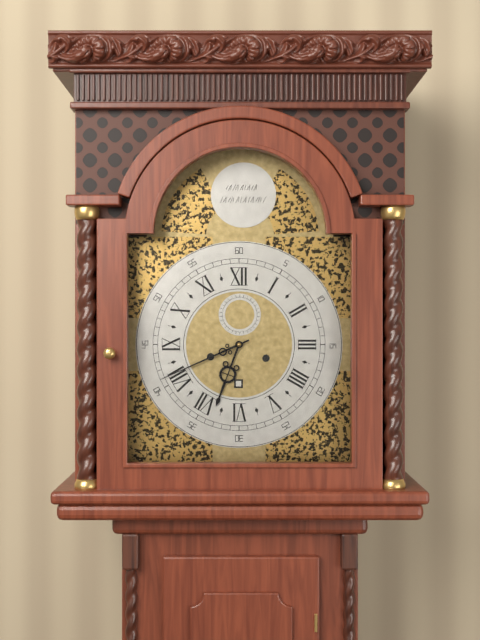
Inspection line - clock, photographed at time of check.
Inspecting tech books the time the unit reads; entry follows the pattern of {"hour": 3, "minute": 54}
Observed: {"hour": 6, "minute": 41}
